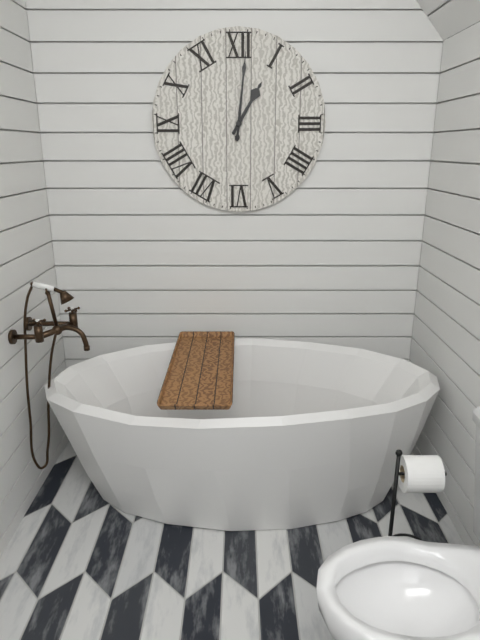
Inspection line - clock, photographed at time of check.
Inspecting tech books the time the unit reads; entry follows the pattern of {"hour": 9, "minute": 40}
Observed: {"hour": 1, "minute": 1}
